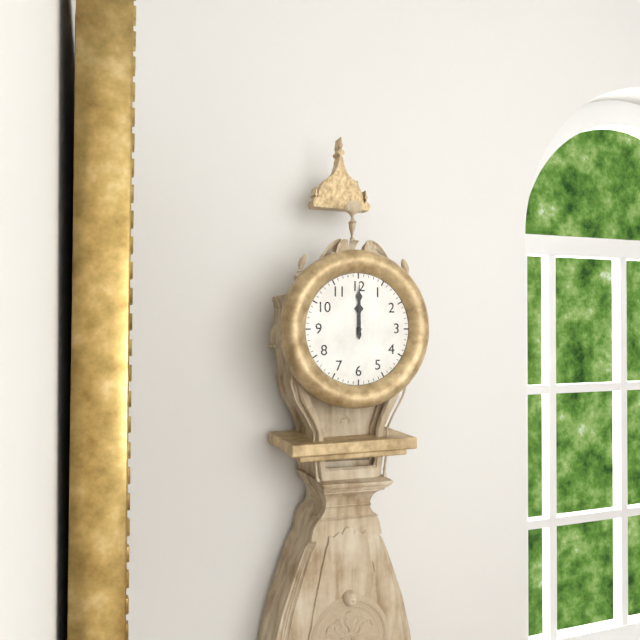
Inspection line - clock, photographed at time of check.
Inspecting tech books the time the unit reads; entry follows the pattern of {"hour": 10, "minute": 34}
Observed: {"hour": 12, "minute": 0}
